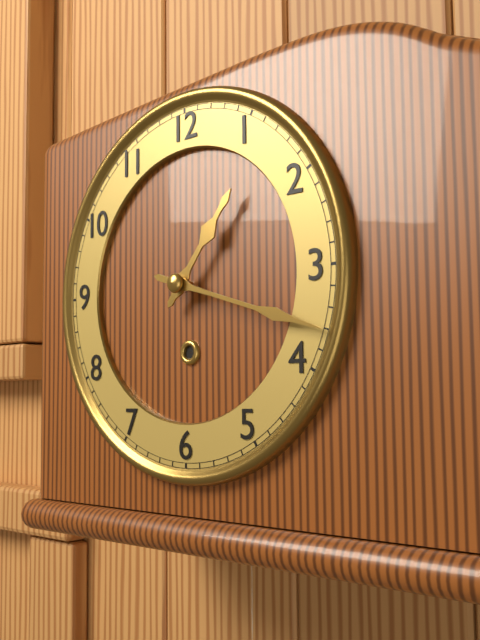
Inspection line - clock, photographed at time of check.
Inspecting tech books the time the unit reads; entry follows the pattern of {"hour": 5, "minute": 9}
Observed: {"hour": 1, "minute": 18}
